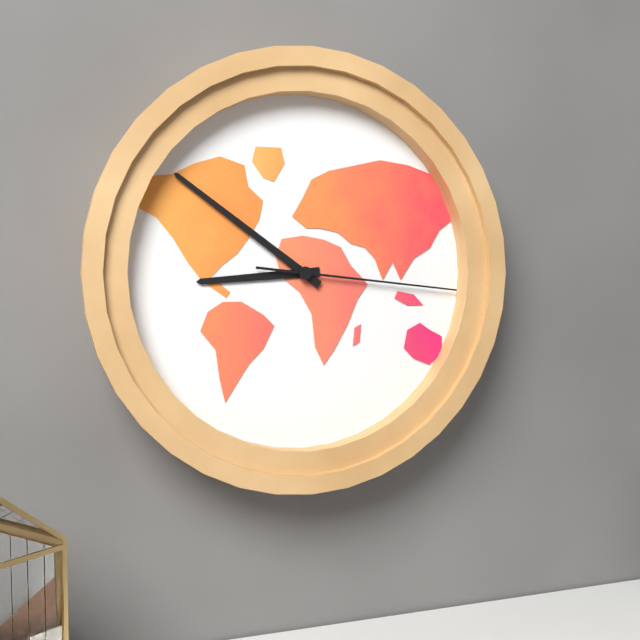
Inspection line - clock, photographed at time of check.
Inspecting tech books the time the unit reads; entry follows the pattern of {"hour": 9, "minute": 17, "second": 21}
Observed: {"hour": 8, "minute": 51, "second": 16}
